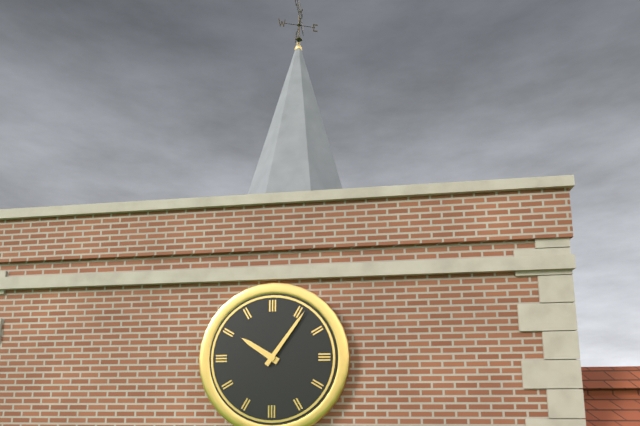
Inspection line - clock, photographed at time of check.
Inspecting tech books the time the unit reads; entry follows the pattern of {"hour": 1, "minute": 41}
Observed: {"hour": 10, "minute": 6}
